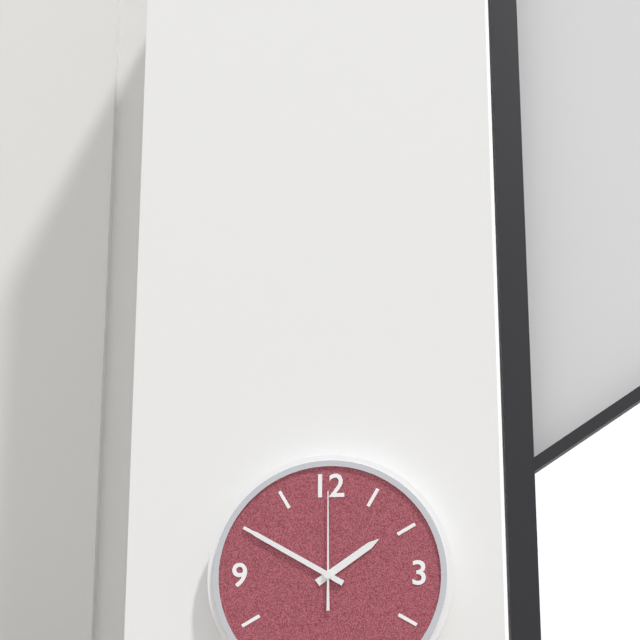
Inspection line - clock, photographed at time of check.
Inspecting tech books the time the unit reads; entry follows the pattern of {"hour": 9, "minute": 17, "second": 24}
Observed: {"hour": 1, "minute": 50, "second": 0}
